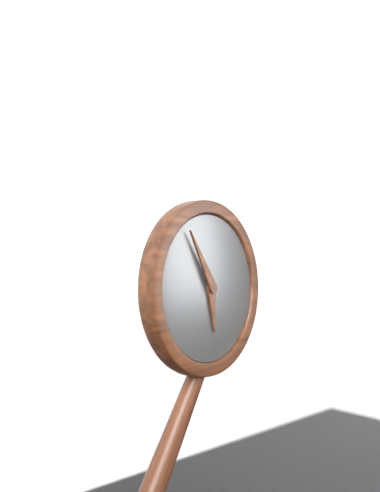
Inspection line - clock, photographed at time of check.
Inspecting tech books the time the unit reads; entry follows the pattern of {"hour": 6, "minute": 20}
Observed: {"hour": 5, "minute": 55}
